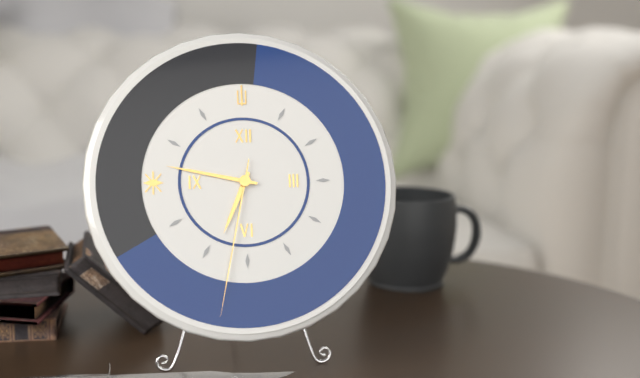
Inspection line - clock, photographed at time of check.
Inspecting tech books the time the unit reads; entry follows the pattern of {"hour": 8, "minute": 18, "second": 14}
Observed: {"hour": 6, "minute": 47, "second": 32}
